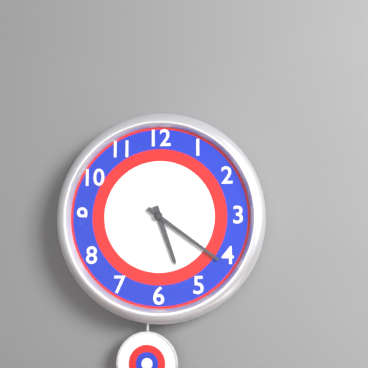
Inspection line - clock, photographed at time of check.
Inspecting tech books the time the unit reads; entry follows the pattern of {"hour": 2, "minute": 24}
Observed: {"hour": 5, "minute": 21}
